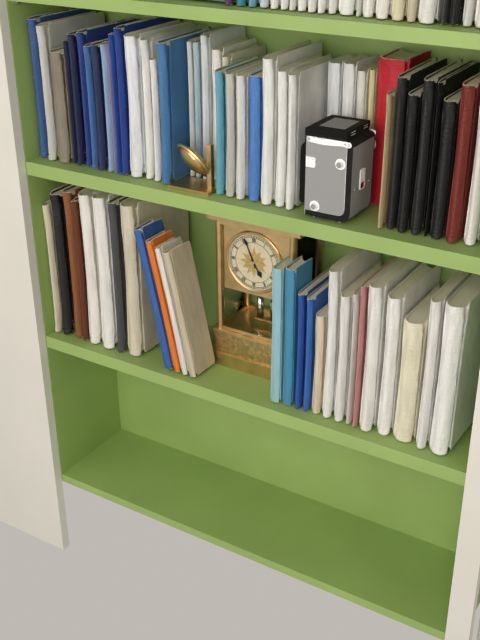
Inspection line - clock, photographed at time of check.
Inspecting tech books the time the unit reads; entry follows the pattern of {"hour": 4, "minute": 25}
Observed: {"hour": 4, "minute": 56}
